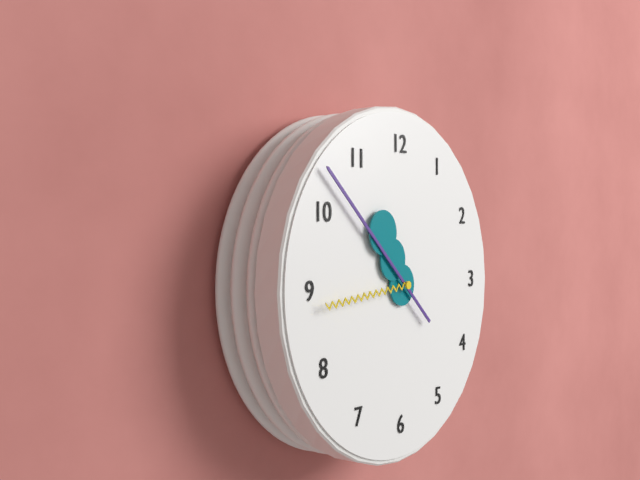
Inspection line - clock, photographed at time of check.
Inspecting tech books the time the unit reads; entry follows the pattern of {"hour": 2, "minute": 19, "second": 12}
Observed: {"hour": 10, "minute": 52, "second": 44}
